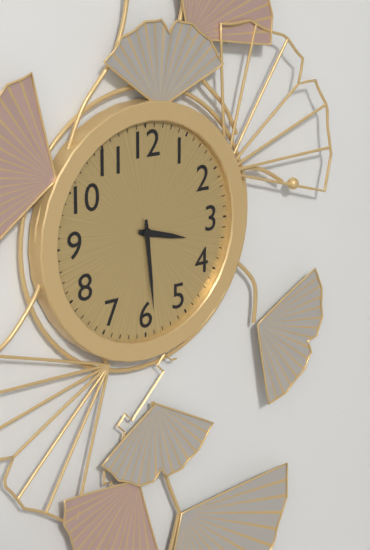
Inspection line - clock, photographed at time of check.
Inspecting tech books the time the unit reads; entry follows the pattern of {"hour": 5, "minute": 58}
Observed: {"hour": 3, "minute": 29}
